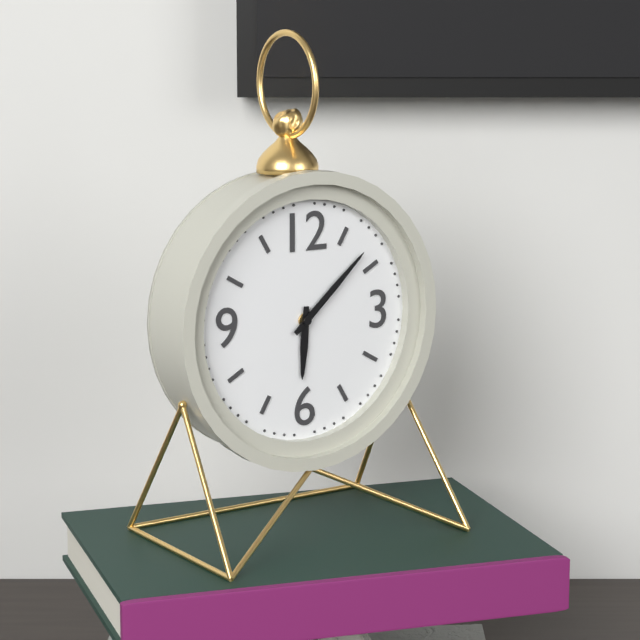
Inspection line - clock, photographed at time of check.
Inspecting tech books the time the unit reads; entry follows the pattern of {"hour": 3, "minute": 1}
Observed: {"hour": 6, "minute": 8}
